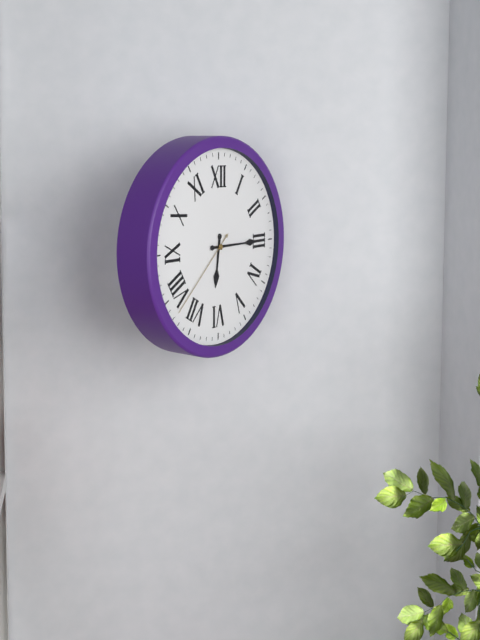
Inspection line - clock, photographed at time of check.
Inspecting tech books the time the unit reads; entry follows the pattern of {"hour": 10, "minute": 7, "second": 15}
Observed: {"hour": 6, "minute": 15, "second": 38}
